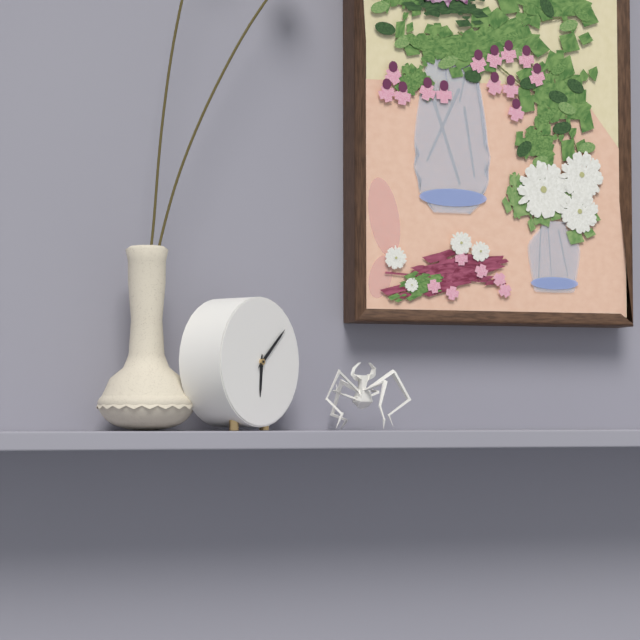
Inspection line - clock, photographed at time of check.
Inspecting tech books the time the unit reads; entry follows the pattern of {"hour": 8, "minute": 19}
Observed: {"hour": 6, "minute": 8}
